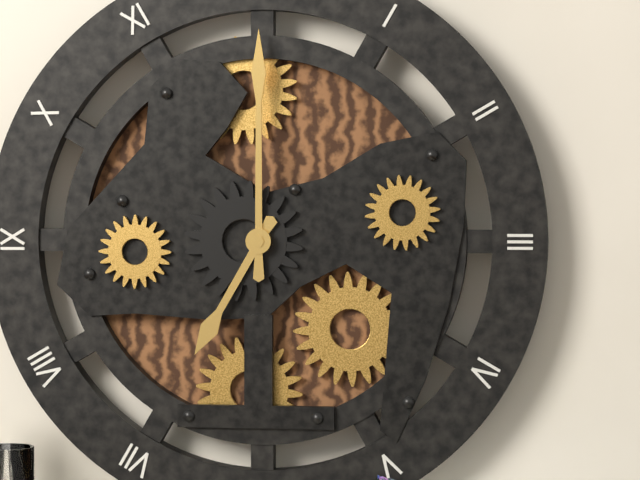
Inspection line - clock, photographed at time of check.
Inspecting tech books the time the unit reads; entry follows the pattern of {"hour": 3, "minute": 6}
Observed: {"hour": 7, "minute": 0}
